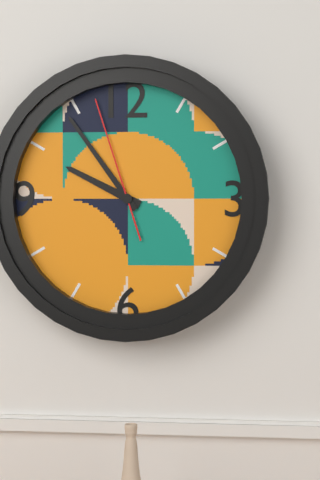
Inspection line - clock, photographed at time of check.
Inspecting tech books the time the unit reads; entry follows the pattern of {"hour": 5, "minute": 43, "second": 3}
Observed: {"hour": 9, "minute": 54, "second": 57}
